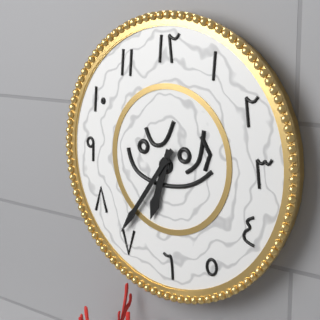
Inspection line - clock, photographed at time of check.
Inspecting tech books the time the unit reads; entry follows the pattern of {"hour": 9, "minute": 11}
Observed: {"hour": 6, "minute": 36}
